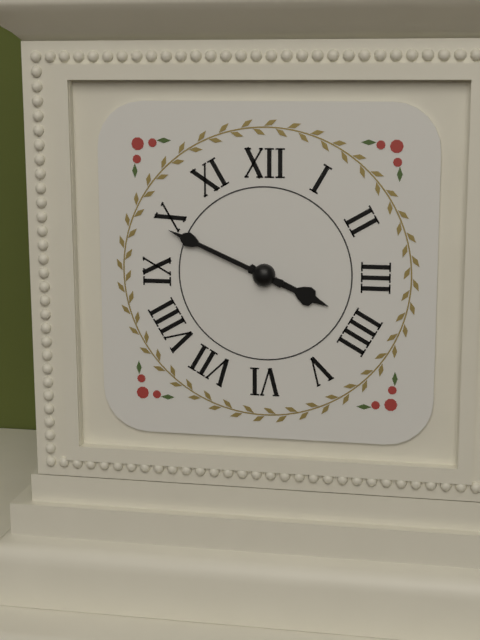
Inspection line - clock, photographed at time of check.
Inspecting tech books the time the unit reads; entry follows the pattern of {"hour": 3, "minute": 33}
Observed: {"hour": 3, "minute": 49}
